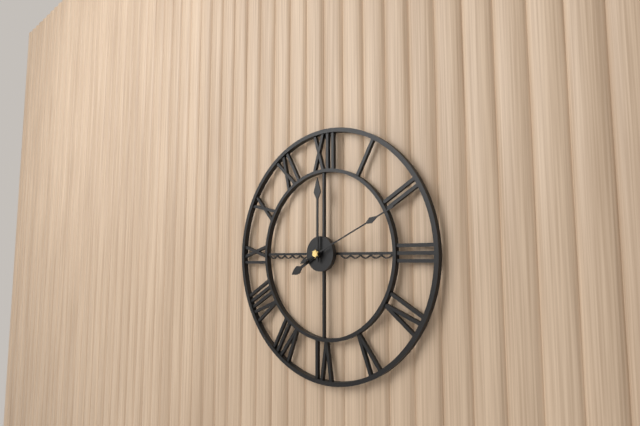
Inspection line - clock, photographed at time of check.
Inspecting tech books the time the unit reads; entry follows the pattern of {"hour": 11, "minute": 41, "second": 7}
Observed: {"hour": 8, "minute": 0, "second": 11}
